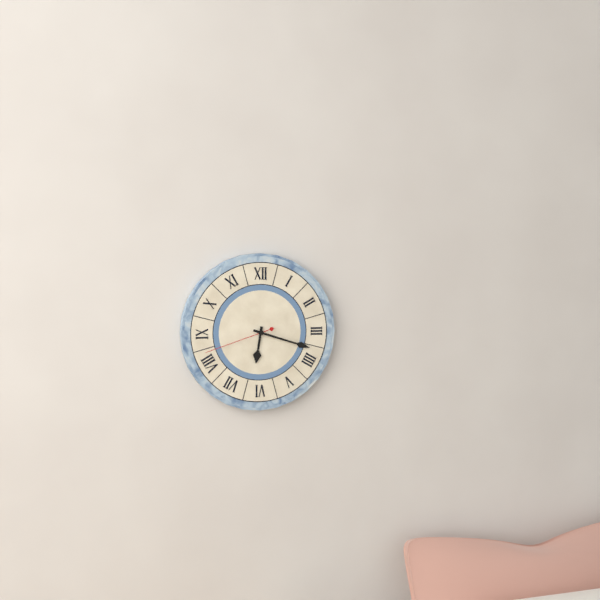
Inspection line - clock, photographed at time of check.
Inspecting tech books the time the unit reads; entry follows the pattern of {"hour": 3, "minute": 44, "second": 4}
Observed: {"hour": 6, "minute": 18, "second": 42}
